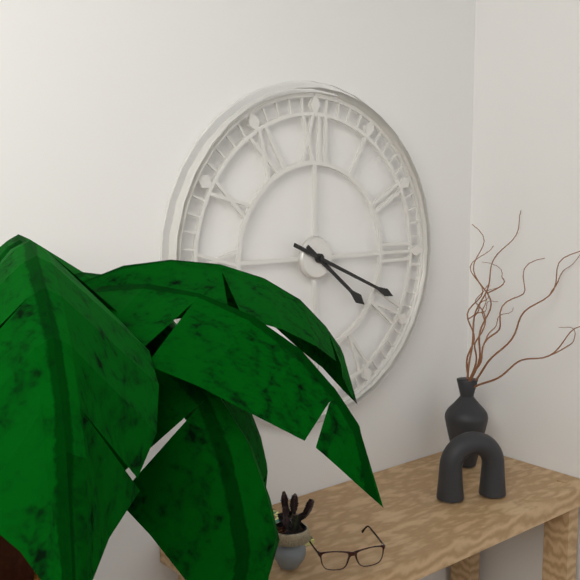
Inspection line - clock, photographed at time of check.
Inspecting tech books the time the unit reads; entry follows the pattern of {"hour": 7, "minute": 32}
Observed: {"hour": 4, "minute": 19}
